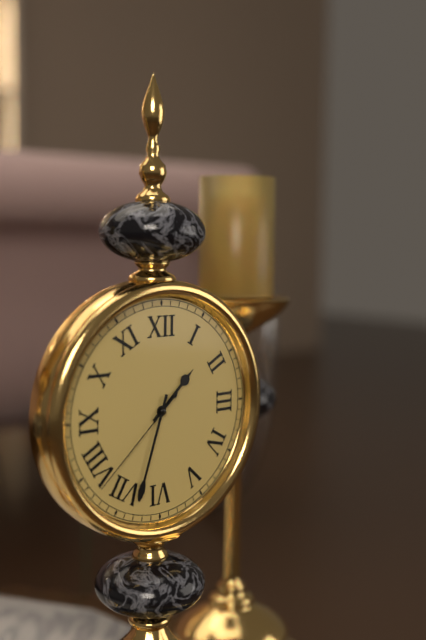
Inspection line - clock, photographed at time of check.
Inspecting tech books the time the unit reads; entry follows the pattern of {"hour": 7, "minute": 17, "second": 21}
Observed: {"hour": 1, "minute": 33, "second": 38}
